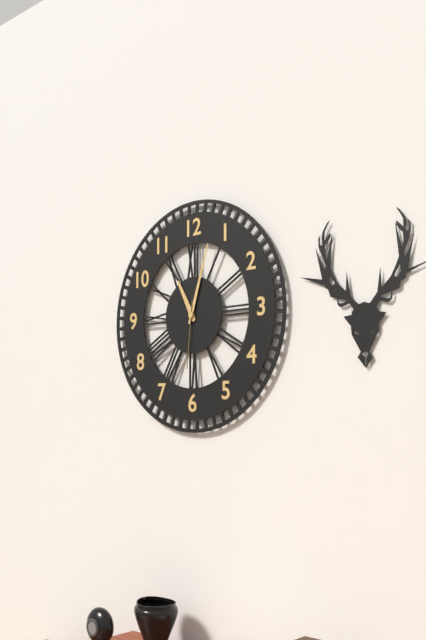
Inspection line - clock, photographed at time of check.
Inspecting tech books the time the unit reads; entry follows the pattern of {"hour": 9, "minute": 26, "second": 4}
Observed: {"hour": 11, "minute": 3, "second": 31}
